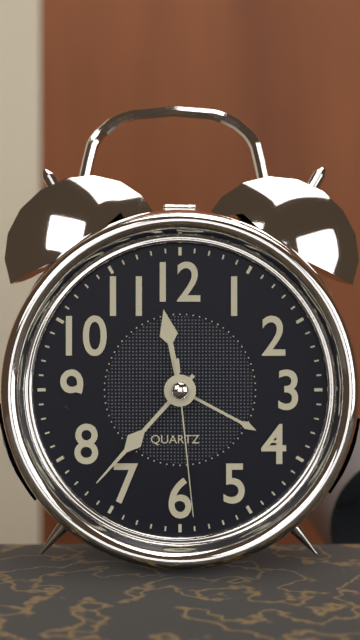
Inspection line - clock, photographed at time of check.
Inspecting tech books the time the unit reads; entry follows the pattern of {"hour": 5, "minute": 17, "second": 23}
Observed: {"hour": 11, "minute": 37, "second": 29}
